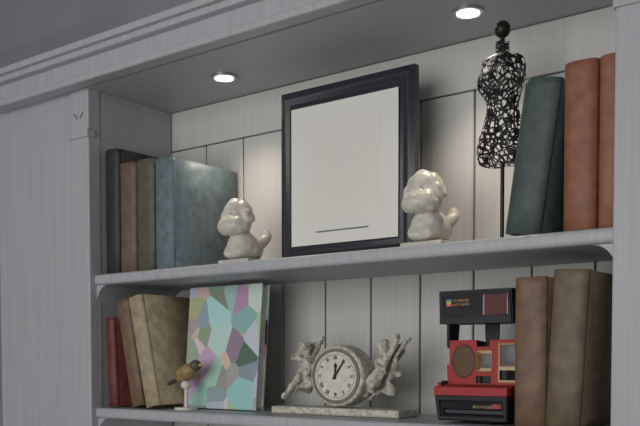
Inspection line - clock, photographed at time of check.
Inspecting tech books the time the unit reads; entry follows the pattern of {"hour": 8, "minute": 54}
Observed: {"hour": 12, "minute": 6}
